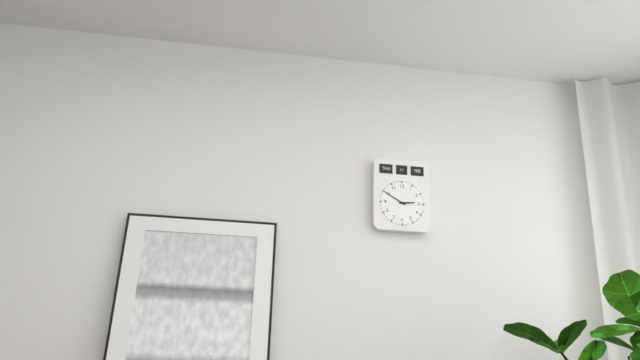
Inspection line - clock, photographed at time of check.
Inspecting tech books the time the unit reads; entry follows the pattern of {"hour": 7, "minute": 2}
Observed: {"hour": 2, "minute": 50}
